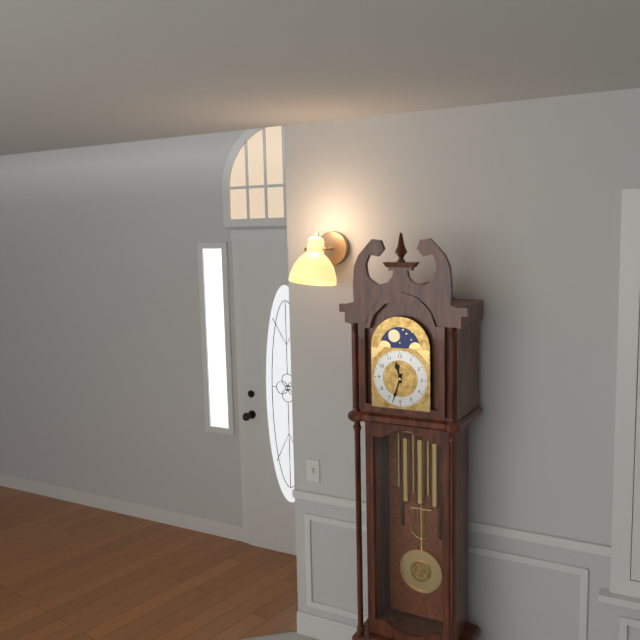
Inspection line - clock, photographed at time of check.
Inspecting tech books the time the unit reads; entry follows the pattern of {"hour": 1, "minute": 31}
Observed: {"hour": 11, "minute": 33}
